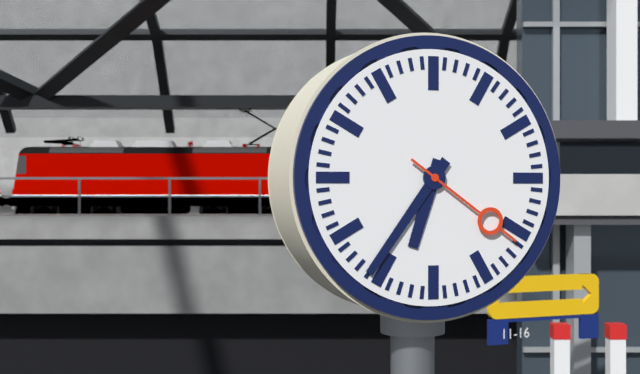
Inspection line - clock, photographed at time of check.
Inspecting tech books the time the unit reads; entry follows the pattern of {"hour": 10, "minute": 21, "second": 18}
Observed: {"hour": 6, "minute": 36, "second": 21}
